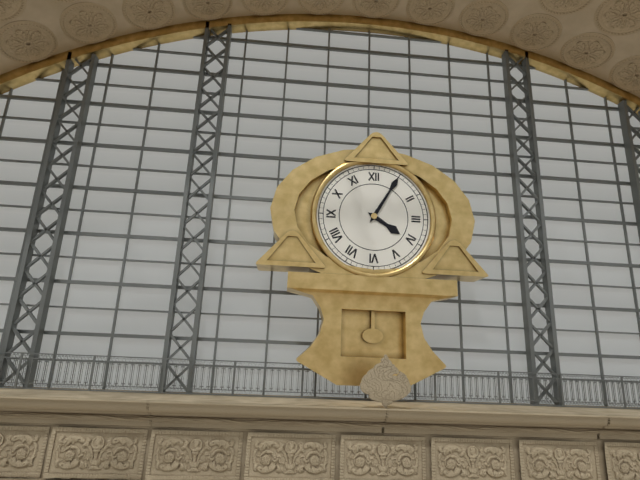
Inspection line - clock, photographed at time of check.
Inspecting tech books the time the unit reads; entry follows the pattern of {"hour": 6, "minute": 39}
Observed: {"hour": 4, "minute": 5}
